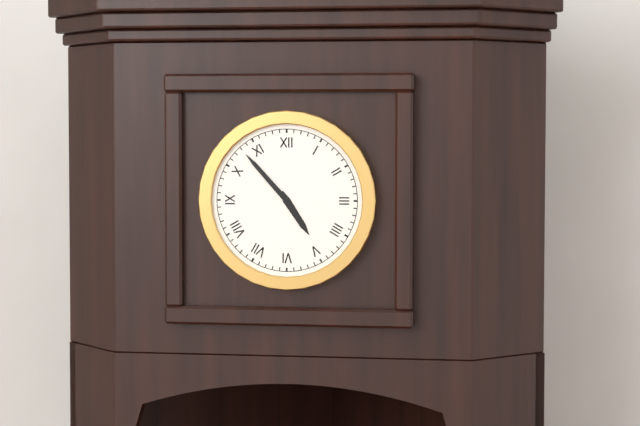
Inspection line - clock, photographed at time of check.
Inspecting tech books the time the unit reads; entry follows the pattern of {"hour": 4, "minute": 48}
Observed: {"hour": 4, "minute": 53}
